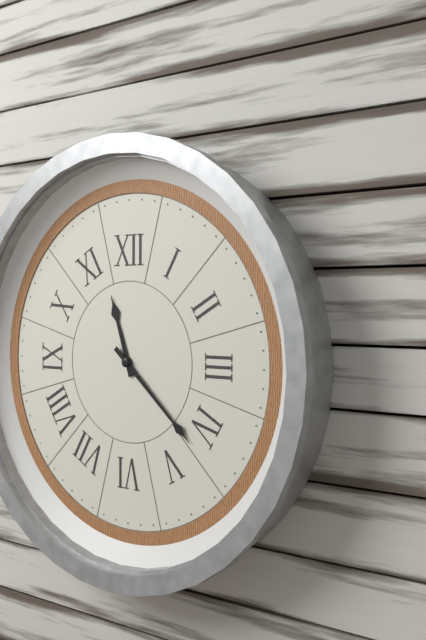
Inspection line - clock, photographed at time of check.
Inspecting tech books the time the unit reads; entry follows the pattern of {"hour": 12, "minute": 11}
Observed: {"hour": 11, "minute": 22}
